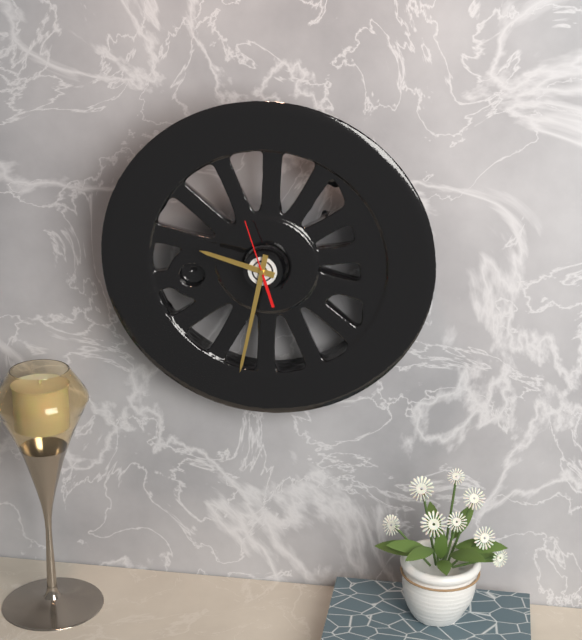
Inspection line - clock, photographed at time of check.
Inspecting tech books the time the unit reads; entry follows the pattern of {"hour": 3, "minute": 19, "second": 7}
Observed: {"hour": 9, "minute": 32, "second": 57}
